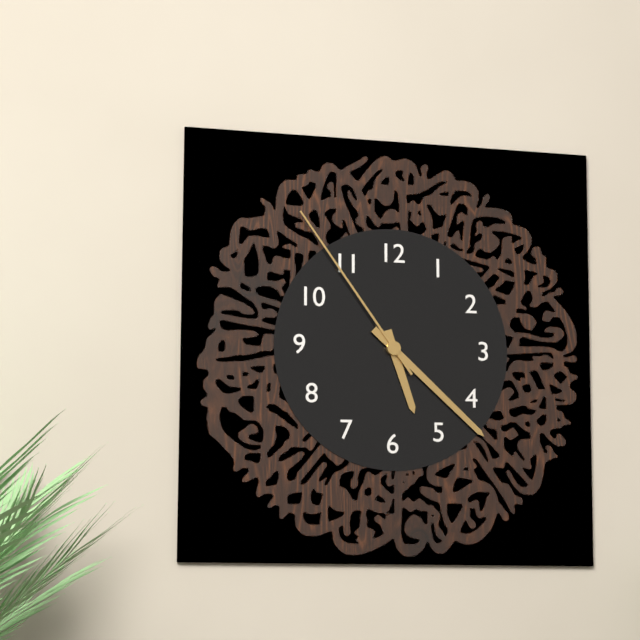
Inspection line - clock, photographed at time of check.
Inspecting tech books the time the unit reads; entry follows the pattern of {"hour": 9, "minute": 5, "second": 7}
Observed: {"hour": 5, "minute": 22, "second": 54}
